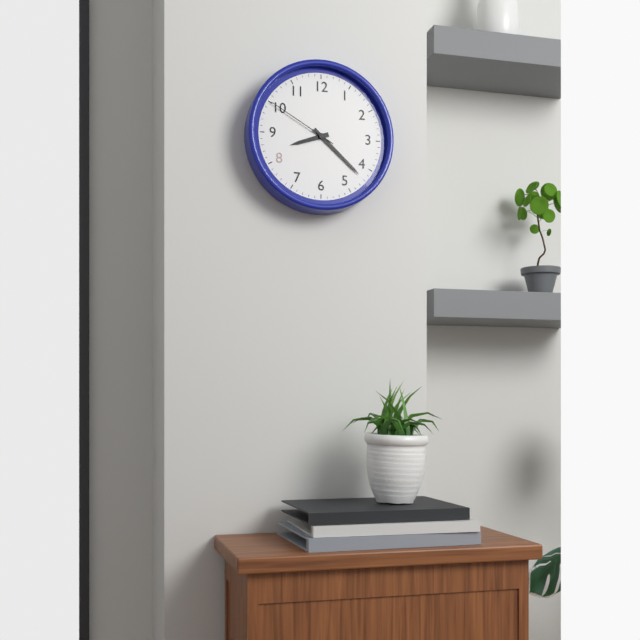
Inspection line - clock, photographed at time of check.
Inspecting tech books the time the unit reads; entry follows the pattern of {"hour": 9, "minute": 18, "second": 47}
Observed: {"hour": 8, "minute": 22, "second": 50}
